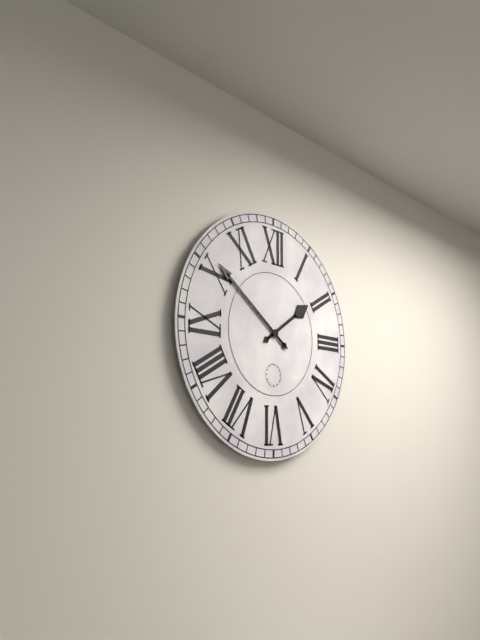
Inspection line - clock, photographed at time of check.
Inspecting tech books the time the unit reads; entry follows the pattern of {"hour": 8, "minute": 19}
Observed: {"hour": 1, "minute": 51}
